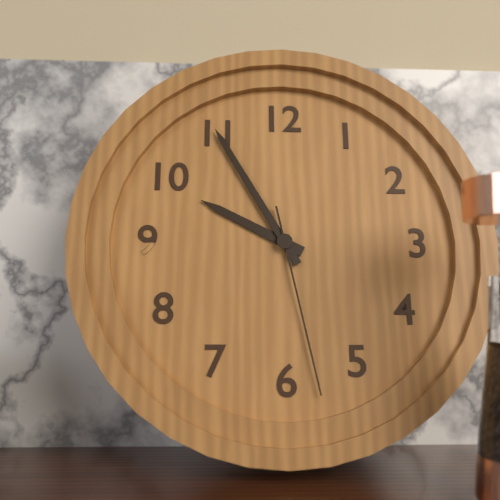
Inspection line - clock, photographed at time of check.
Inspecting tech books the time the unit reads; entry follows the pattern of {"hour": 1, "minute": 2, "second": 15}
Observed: {"hour": 9, "minute": 55, "second": 28}
